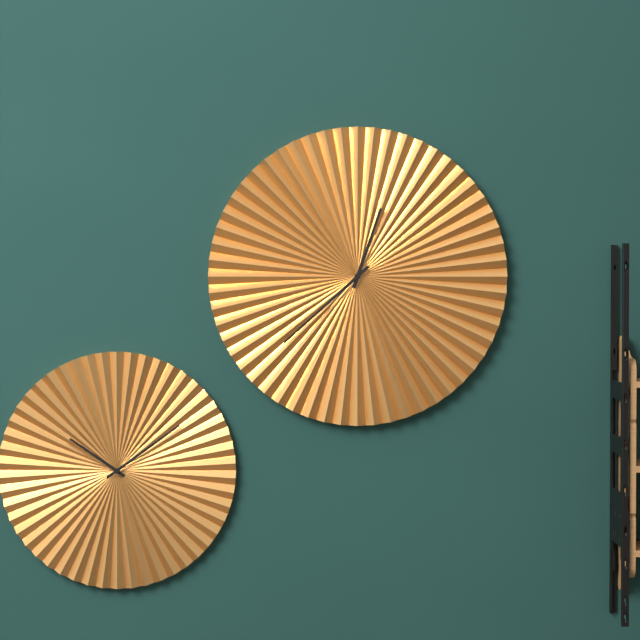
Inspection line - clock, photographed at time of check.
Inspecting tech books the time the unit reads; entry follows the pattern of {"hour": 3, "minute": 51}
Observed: {"hour": 12, "minute": 38}
